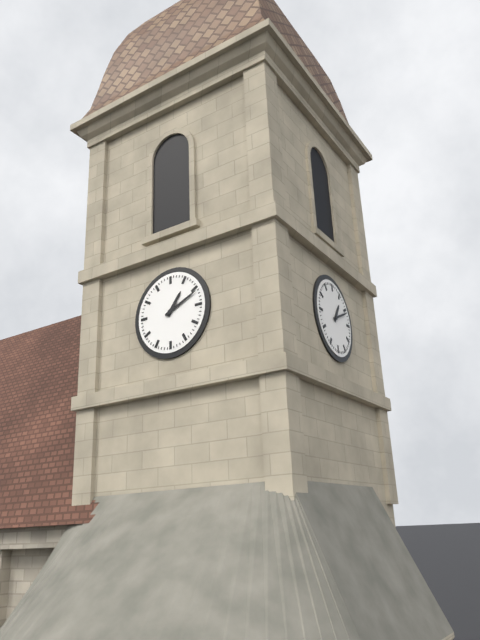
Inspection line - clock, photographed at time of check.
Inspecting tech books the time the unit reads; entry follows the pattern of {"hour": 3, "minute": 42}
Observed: {"hour": 1, "minute": 11}
